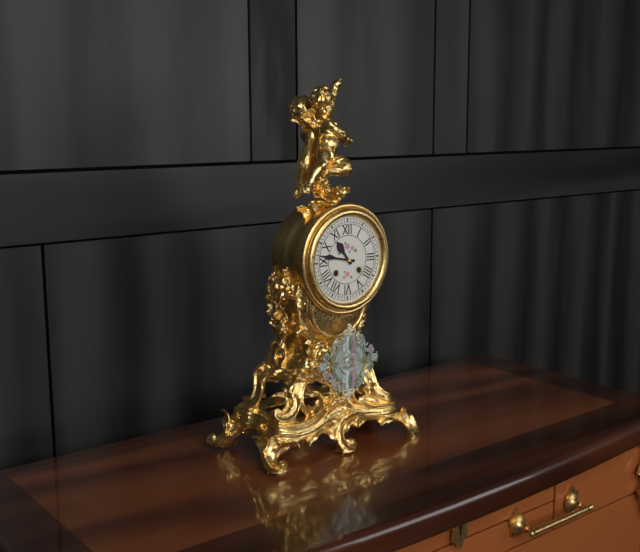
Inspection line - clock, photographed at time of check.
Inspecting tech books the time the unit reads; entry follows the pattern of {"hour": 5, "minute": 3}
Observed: {"hour": 10, "minute": 47}
